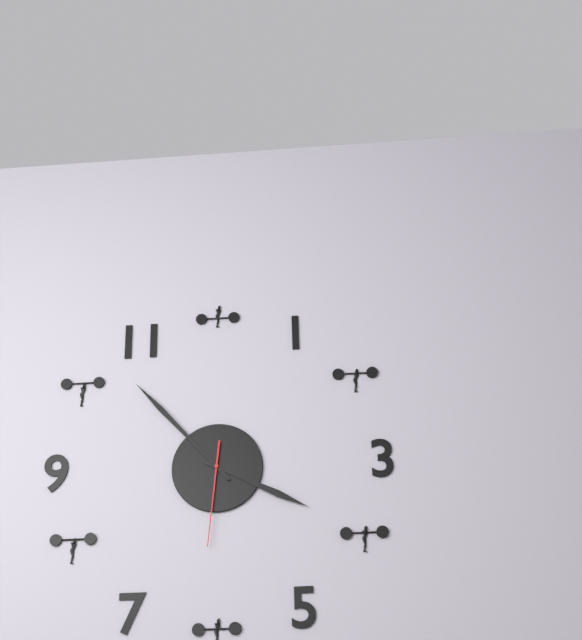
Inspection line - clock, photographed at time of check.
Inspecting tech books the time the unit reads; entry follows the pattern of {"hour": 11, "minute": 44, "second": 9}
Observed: {"hour": 3, "minute": 53, "second": 31}
